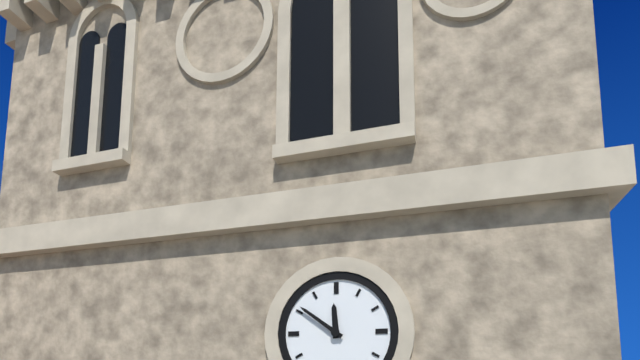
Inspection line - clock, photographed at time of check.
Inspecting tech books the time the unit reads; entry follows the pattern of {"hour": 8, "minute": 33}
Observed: {"hour": 11, "minute": 51}
